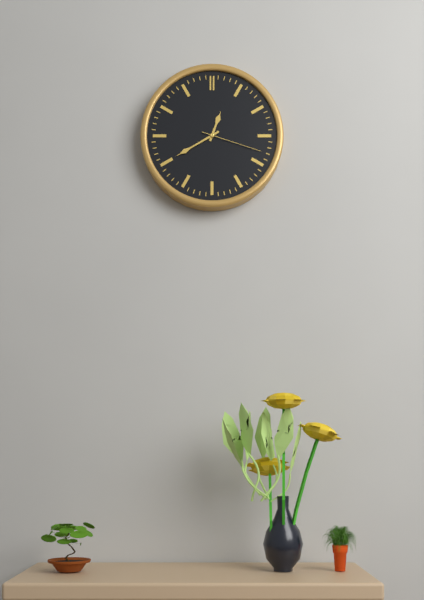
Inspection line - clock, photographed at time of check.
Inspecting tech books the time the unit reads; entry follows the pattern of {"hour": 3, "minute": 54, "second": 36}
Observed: {"hour": 12, "minute": 40, "second": 18}
